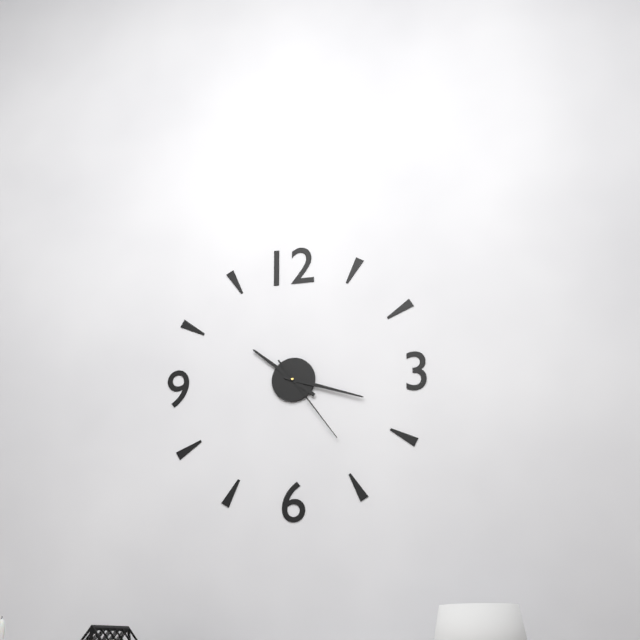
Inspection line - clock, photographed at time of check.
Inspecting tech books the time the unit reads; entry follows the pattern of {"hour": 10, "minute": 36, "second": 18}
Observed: {"hour": 10, "minute": 18, "second": 24}
